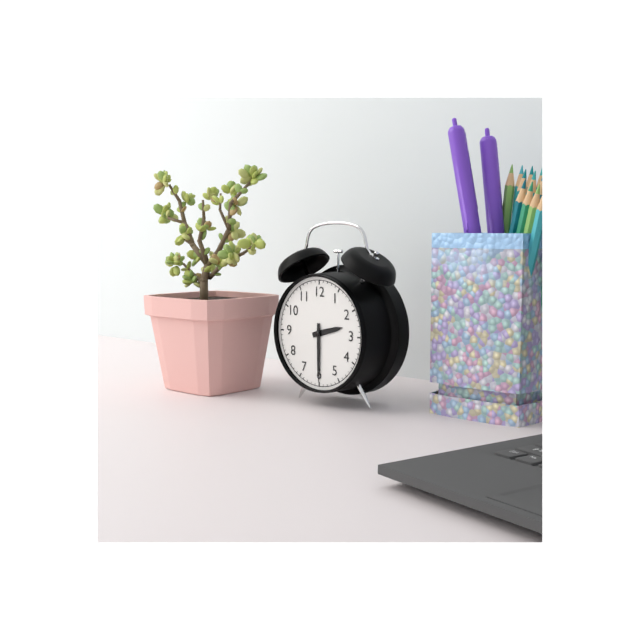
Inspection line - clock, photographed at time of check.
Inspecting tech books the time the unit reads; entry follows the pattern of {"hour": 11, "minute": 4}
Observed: {"hour": 2, "minute": 30}
